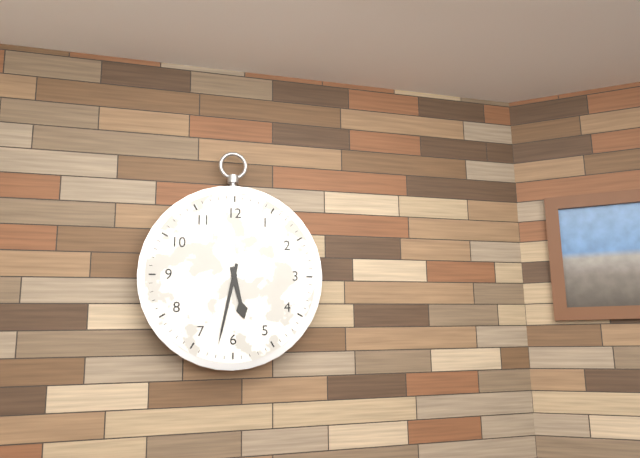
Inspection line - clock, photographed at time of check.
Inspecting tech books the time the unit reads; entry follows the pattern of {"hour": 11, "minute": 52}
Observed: {"hour": 5, "minute": 32}
